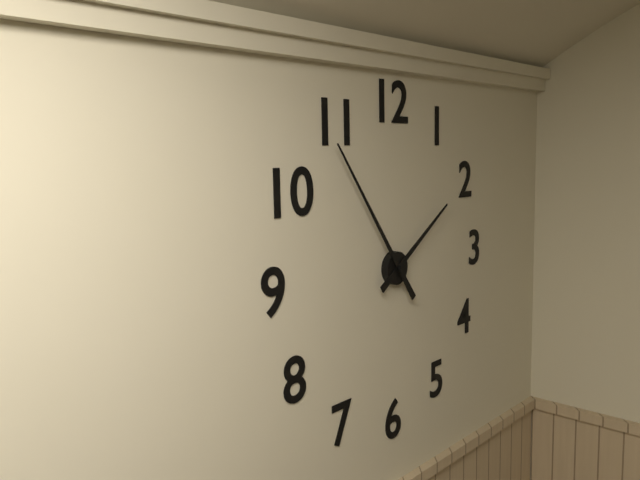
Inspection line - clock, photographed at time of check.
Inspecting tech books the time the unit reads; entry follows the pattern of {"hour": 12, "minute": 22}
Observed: {"hour": 1, "minute": 54}
